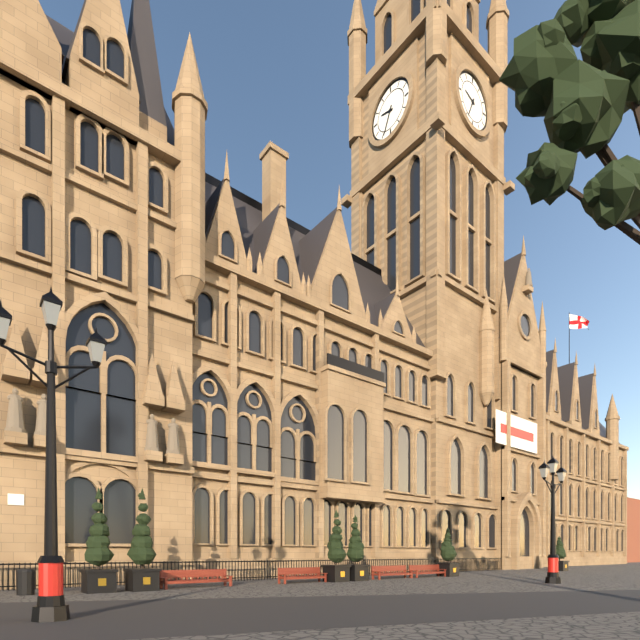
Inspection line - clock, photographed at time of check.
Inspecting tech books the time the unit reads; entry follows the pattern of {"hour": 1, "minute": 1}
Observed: {"hour": 9, "minute": 34}
